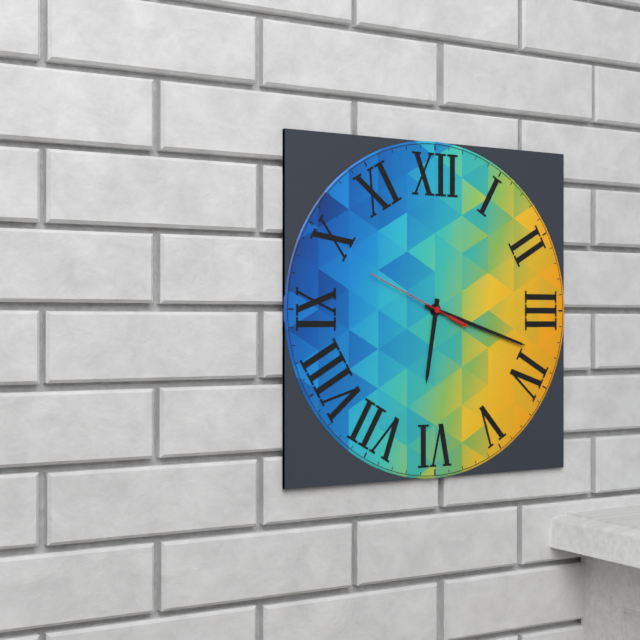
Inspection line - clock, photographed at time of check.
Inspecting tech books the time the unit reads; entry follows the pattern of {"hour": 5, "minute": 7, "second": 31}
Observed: {"hour": 6, "minute": 18, "second": 49}
